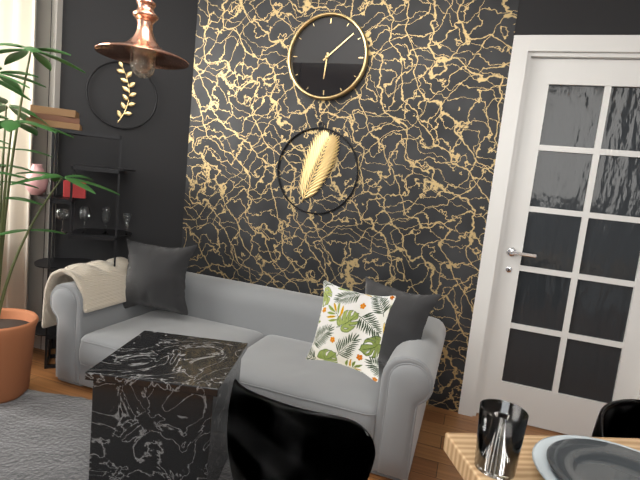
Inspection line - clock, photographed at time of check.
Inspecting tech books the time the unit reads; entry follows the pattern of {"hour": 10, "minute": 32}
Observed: {"hour": 6, "minute": 8}
